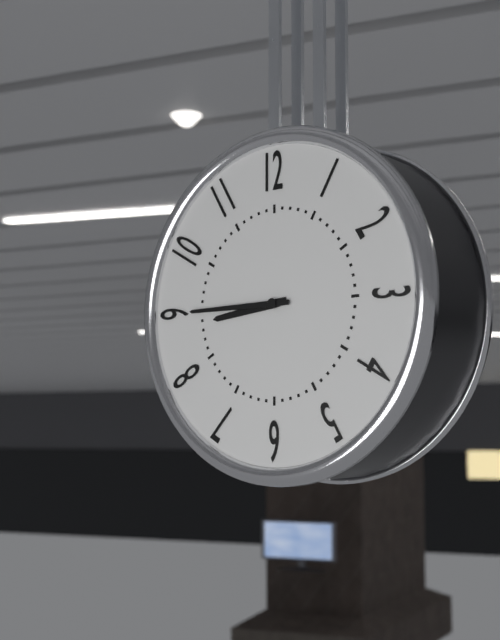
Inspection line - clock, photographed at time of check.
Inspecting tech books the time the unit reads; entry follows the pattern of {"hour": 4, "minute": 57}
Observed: {"hour": 8, "minute": 45}
